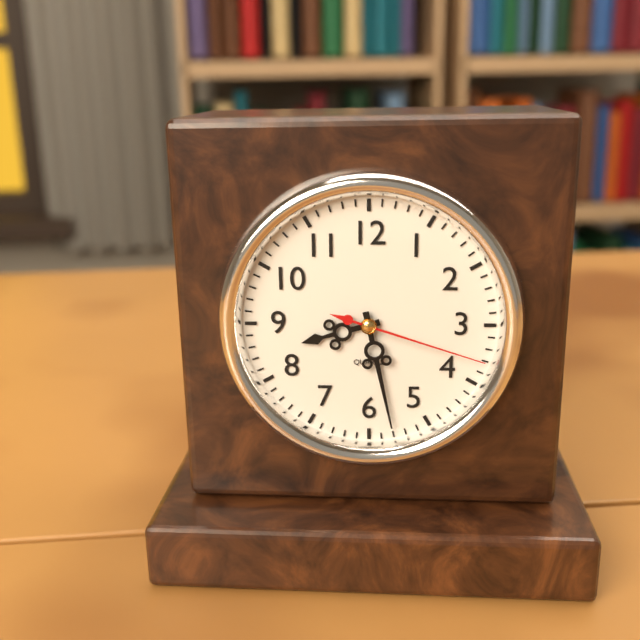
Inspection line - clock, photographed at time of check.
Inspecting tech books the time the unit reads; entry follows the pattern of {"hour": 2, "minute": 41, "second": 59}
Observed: {"hour": 8, "minute": 28, "second": 18}
